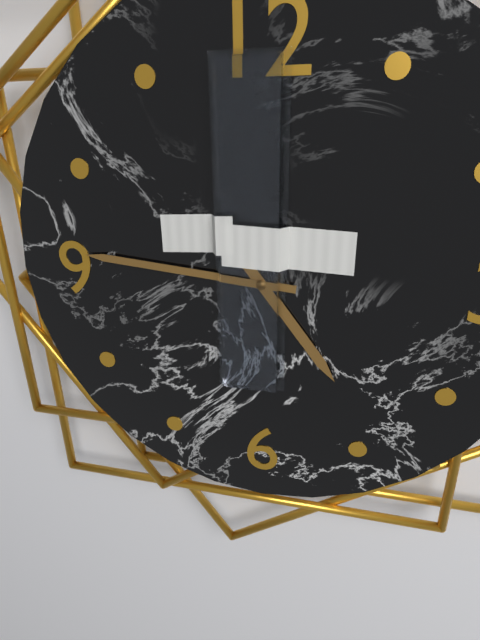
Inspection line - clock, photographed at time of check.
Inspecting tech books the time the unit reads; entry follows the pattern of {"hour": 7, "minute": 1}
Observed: {"hour": 4, "minute": 46}
